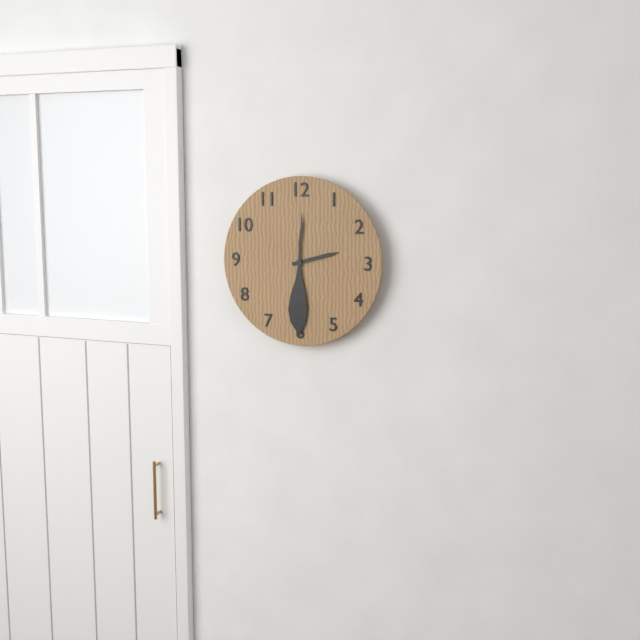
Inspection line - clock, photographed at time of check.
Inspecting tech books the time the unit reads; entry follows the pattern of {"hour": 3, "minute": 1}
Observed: {"hour": 2, "minute": 30}
